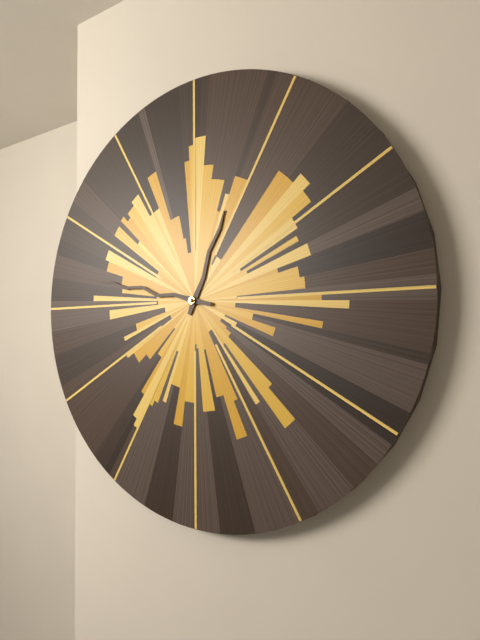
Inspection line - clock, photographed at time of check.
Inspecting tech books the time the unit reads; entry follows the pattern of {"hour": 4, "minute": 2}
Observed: {"hour": 12, "minute": 47}
